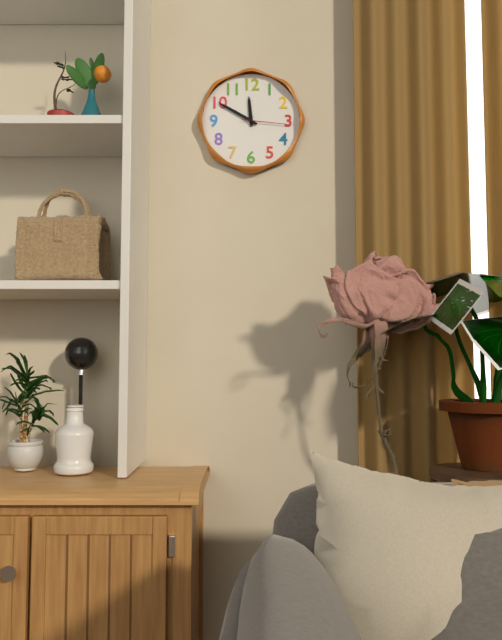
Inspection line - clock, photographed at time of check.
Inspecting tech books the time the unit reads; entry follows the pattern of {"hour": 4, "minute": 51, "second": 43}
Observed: {"hour": 11, "minute": 50, "second": 16}
